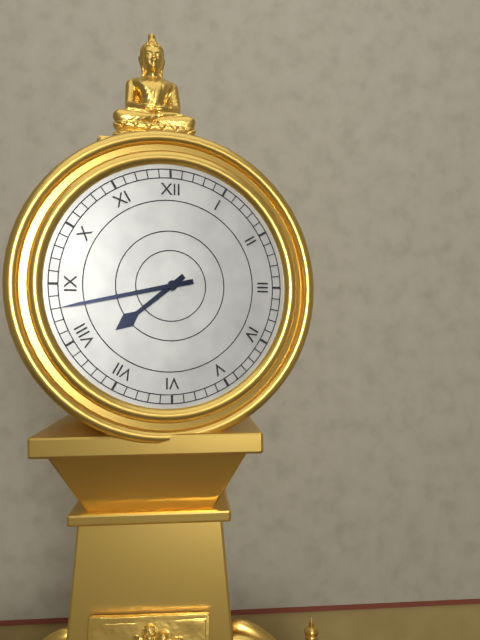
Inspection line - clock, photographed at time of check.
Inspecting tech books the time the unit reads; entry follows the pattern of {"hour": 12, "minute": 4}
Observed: {"hour": 7, "minute": 43}
